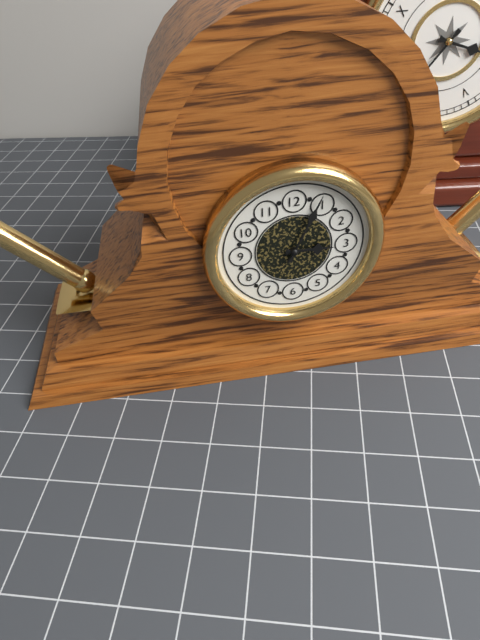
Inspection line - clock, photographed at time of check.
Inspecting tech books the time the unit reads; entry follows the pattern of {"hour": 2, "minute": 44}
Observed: {"hour": 3, "minute": 4}
